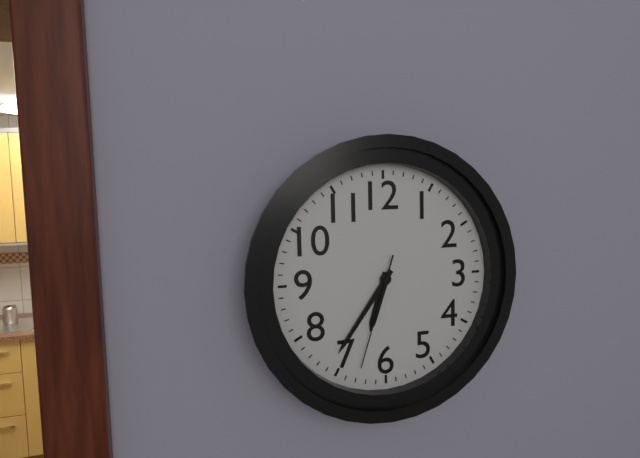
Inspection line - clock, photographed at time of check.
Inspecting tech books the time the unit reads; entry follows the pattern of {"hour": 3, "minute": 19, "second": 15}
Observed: {"hour": 6, "minute": 36, "second": 33}
